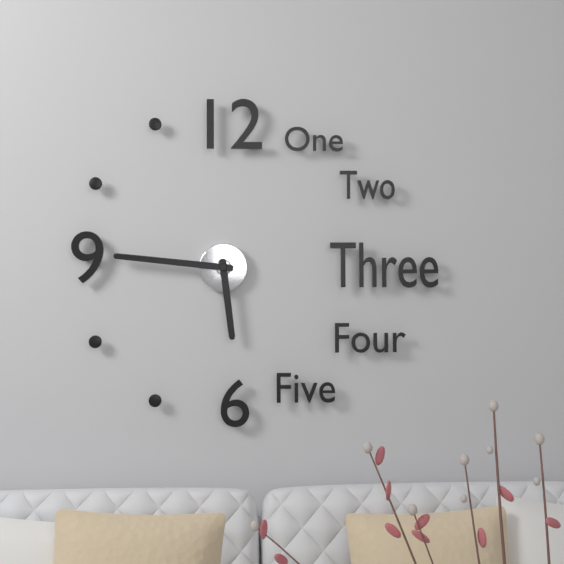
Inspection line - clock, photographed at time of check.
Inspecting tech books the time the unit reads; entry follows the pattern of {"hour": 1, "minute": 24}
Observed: {"hour": 5, "minute": 46}
